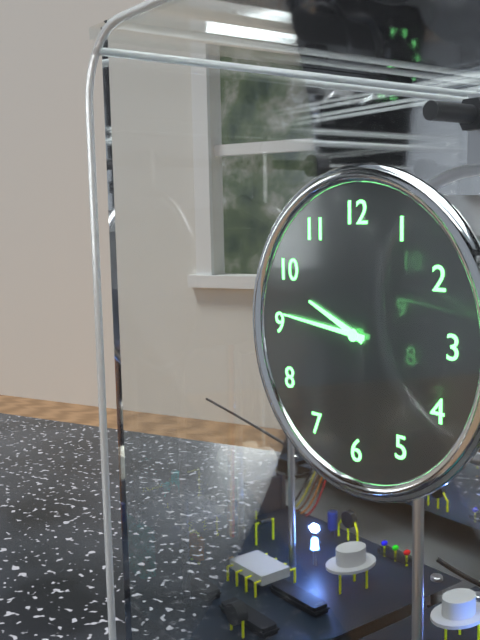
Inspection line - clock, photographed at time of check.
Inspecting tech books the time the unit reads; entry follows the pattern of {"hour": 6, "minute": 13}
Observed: {"hour": 9, "minute": 46}
